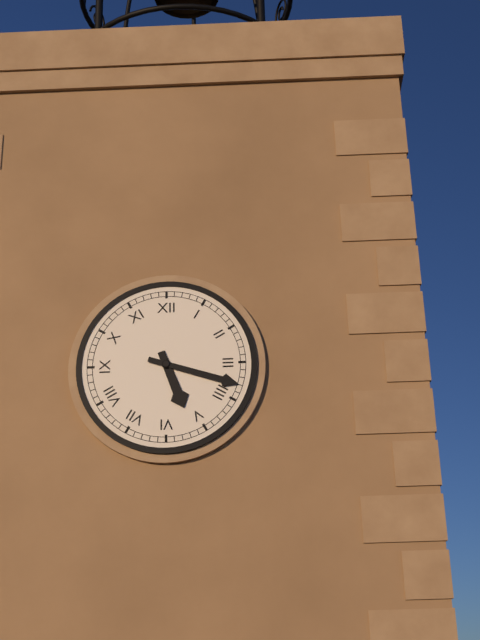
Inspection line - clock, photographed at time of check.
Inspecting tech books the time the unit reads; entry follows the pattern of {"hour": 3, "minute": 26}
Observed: {"hour": 5, "minute": 18}
